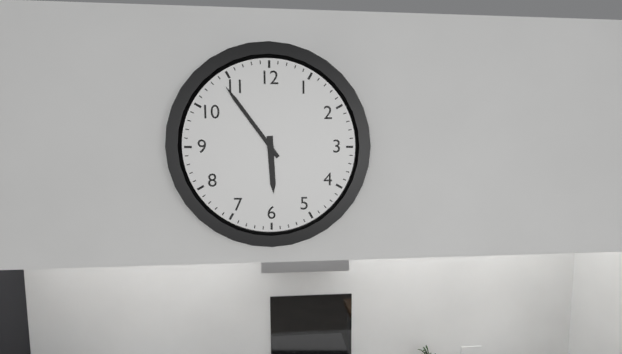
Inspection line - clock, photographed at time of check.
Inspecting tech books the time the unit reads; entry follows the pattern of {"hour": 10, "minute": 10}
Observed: {"hour": 5, "minute": 54}
